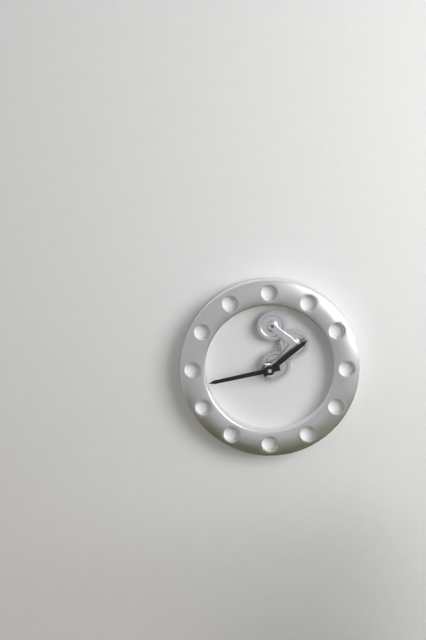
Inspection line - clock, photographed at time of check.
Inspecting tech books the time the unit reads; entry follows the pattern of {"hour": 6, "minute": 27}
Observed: {"hour": 1, "minute": 43}
